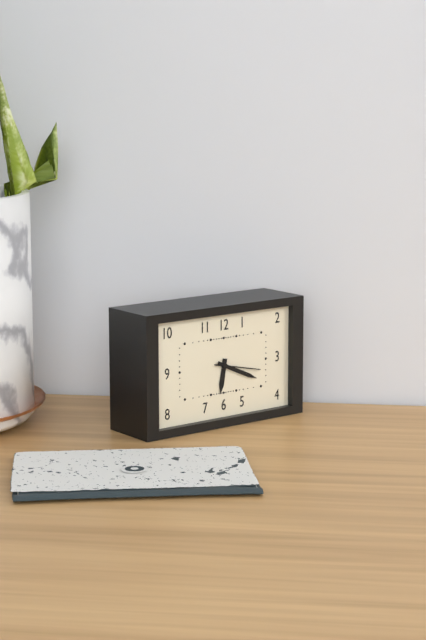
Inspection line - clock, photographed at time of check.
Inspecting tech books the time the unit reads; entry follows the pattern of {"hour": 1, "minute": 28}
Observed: {"hour": 6, "minute": 19}
